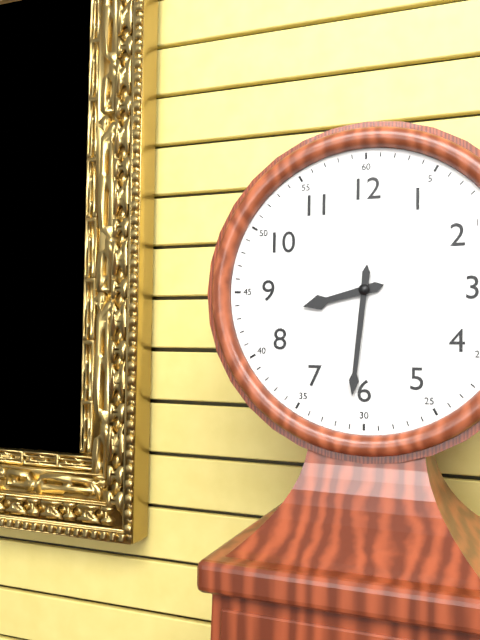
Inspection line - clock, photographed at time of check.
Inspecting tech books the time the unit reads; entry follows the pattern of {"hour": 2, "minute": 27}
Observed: {"hour": 8, "minute": 31}
